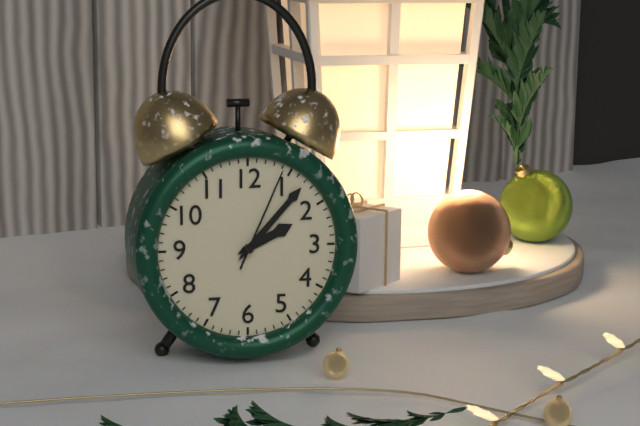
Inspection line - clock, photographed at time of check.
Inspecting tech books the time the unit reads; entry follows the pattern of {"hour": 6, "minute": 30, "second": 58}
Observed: {"hour": 2, "minute": 7, "second": 4}
